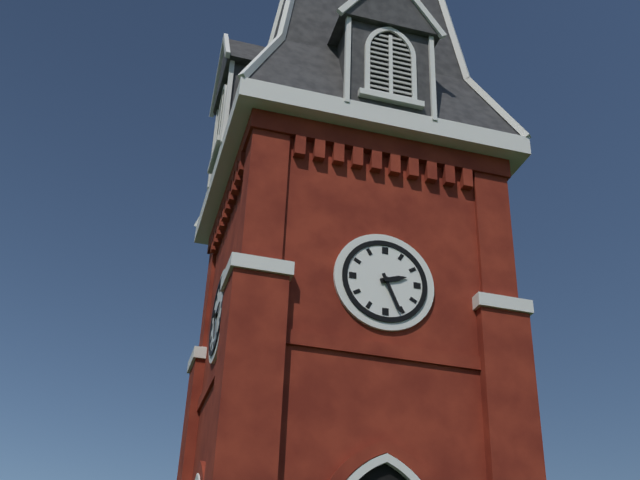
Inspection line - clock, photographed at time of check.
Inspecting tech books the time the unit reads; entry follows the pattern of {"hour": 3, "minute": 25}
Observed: {"hour": 2, "minute": 26}
